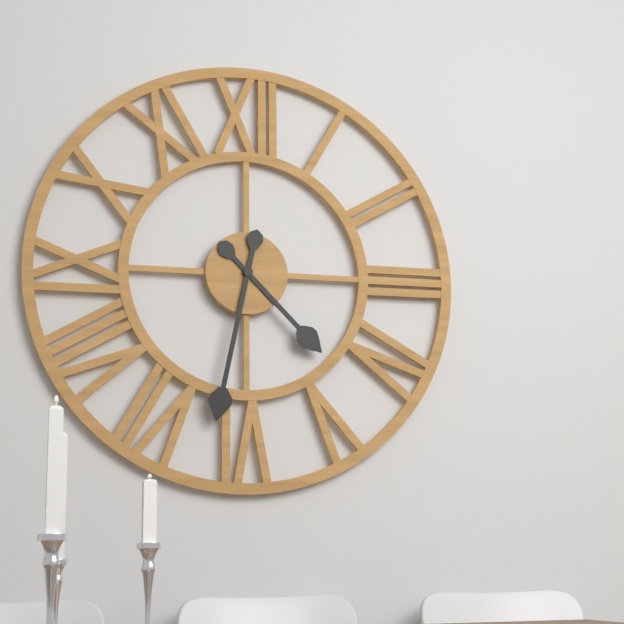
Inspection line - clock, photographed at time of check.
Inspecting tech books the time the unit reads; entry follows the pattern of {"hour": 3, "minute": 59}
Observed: {"hour": 4, "minute": 32}
